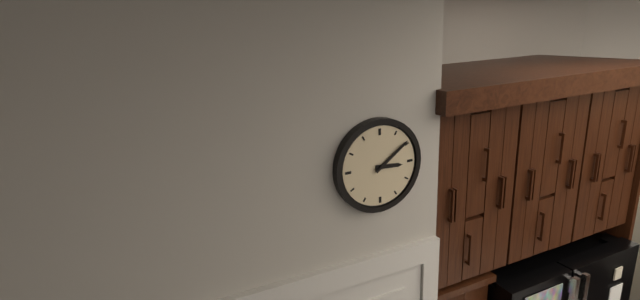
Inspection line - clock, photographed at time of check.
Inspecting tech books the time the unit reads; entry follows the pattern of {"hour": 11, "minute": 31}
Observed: {"hour": 3, "minute": 9}
